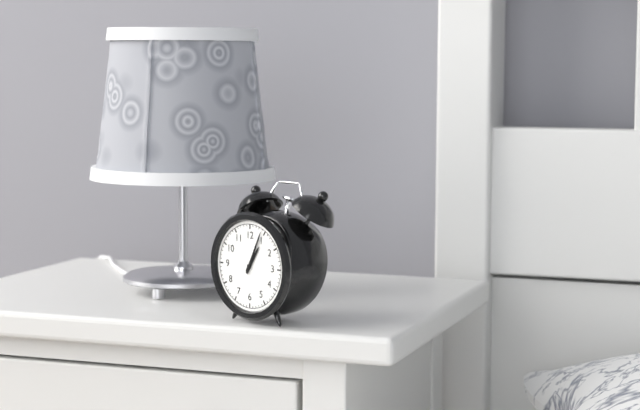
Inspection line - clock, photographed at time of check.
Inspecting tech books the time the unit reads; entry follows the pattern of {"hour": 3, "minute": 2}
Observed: {"hour": 1, "minute": 4}
